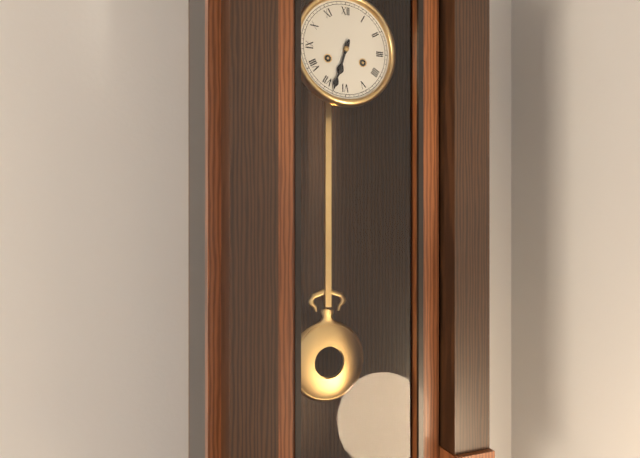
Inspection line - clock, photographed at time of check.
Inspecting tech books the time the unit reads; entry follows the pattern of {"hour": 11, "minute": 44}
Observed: {"hour": 6, "minute": 33}
